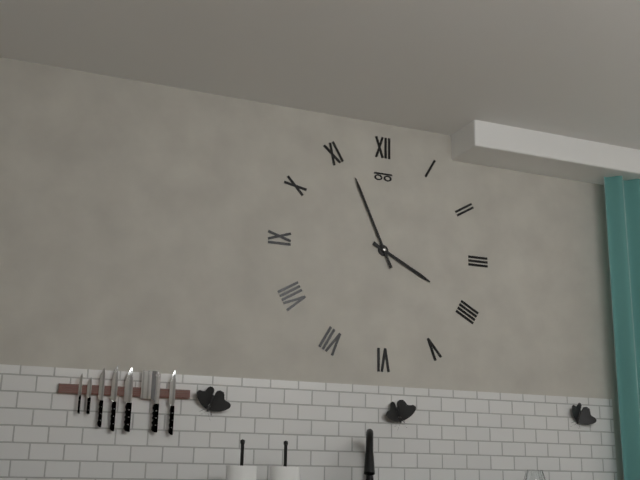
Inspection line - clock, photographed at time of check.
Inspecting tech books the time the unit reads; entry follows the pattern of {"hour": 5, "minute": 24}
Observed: {"hour": 3, "minute": 56}
